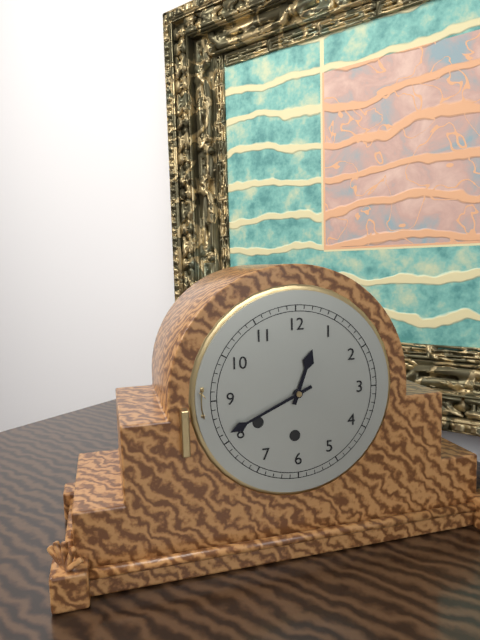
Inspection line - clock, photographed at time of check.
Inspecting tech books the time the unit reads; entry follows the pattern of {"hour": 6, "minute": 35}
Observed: {"hour": 12, "minute": 41}
